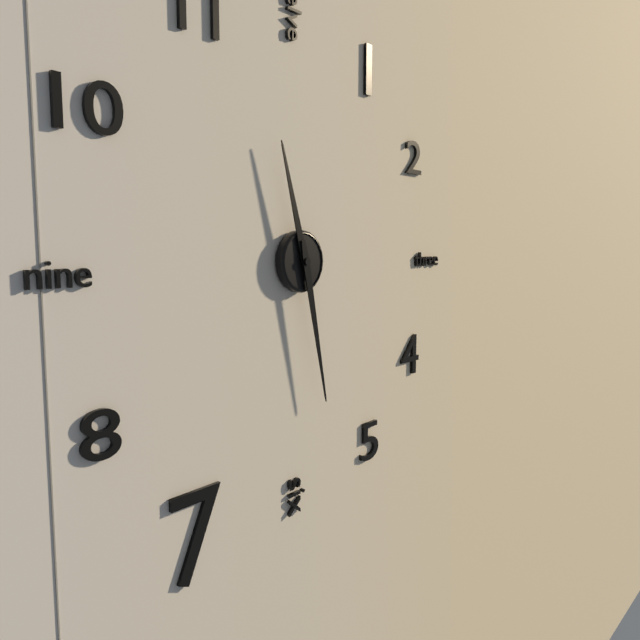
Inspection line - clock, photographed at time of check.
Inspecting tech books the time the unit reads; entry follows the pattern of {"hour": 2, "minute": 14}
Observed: {"hour": 11, "minute": 28}
